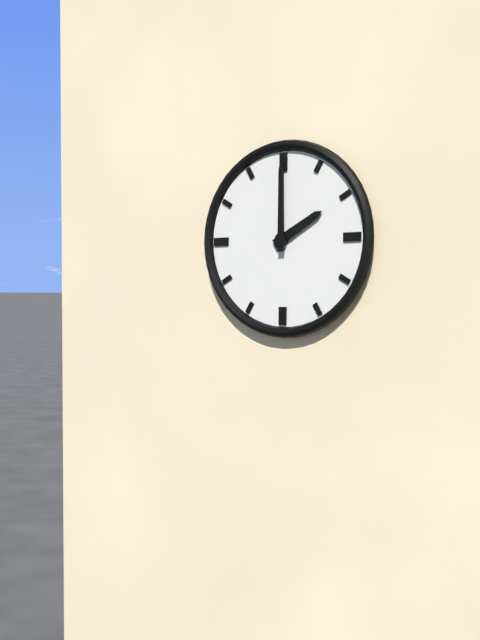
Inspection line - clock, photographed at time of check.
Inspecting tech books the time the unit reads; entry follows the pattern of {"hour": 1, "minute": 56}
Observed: {"hour": 2, "minute": 0}
